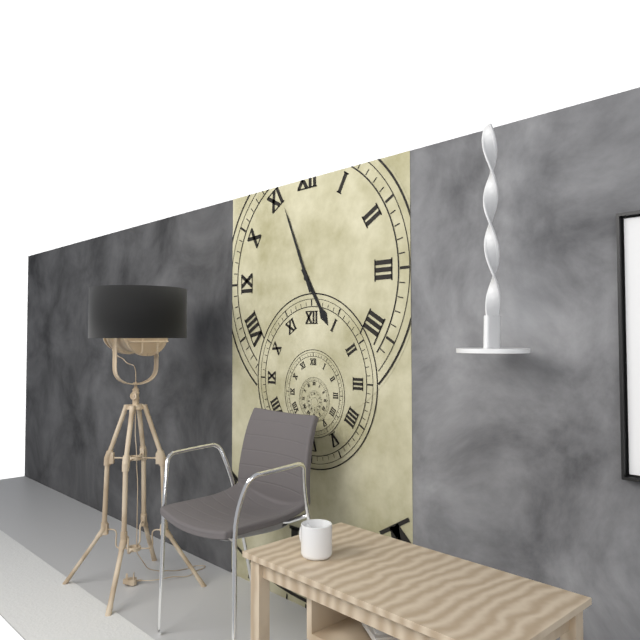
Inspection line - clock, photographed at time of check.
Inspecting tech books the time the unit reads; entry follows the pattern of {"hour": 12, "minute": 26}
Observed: {"hour": 4, "minute": 56}
